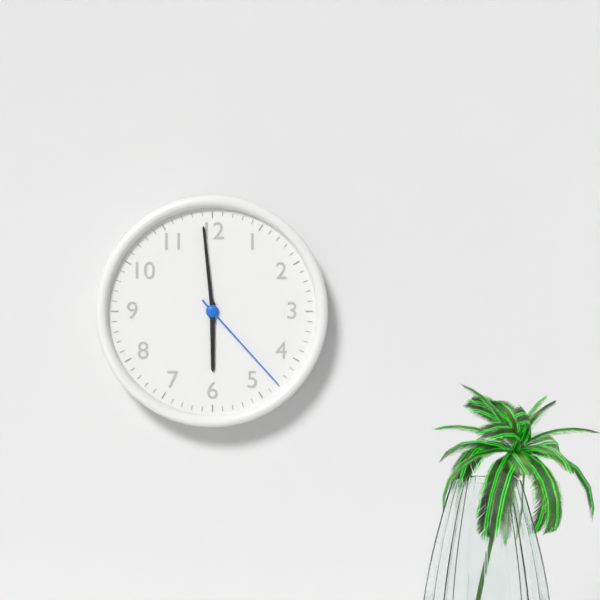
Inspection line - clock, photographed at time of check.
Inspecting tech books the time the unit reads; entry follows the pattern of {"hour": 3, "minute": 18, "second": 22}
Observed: {"hour": 5, "minute": 59, "second": 23}
